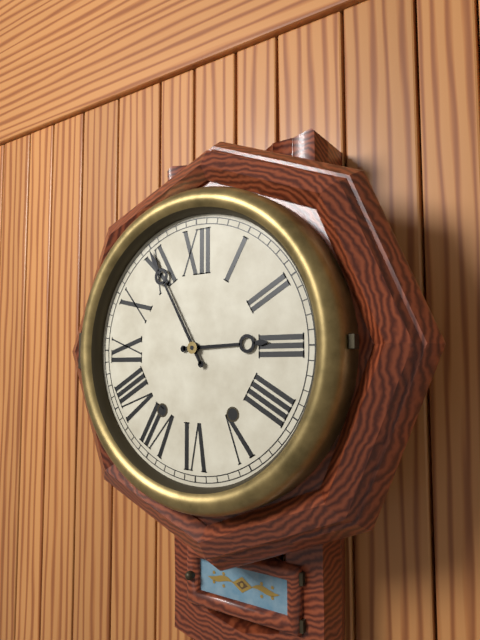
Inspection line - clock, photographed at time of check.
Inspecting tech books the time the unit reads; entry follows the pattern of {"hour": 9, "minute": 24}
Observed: {"hour": 2, "minute": 55}
